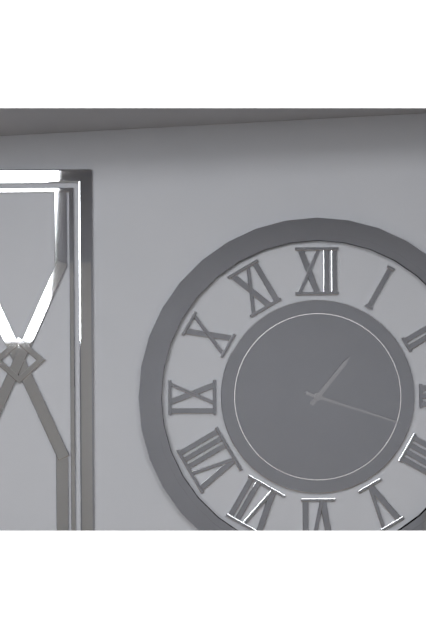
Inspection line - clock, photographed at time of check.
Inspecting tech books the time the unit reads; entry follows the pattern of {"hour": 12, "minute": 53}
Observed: {"hour": 1, "minute": 18}
